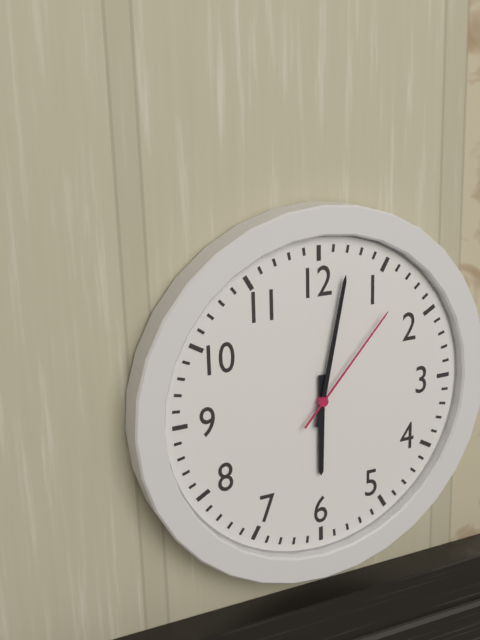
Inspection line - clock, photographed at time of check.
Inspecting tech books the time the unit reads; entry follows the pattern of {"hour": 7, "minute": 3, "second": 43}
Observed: {"hour": 6, "minute": 2, "second": 7}
